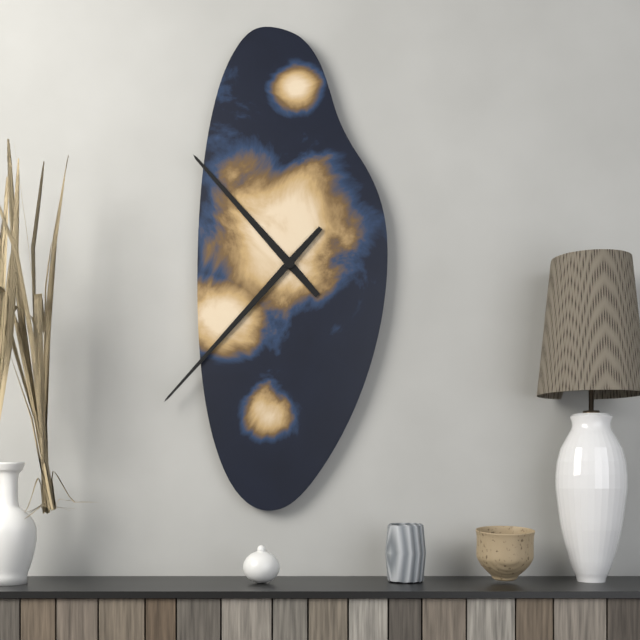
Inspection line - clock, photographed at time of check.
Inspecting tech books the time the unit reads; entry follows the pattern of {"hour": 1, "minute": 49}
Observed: {"hour": 10, "minute": 37}
